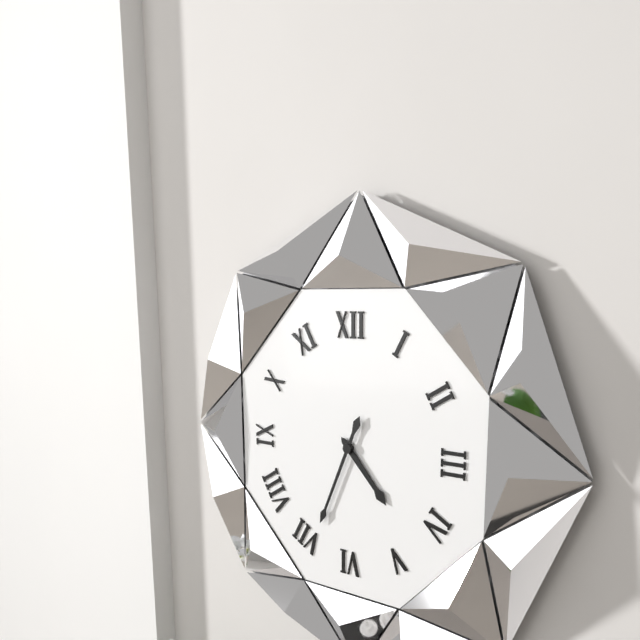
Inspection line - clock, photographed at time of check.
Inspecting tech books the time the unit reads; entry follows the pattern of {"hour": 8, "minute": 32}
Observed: {"hour": 4, "minute": 34}
